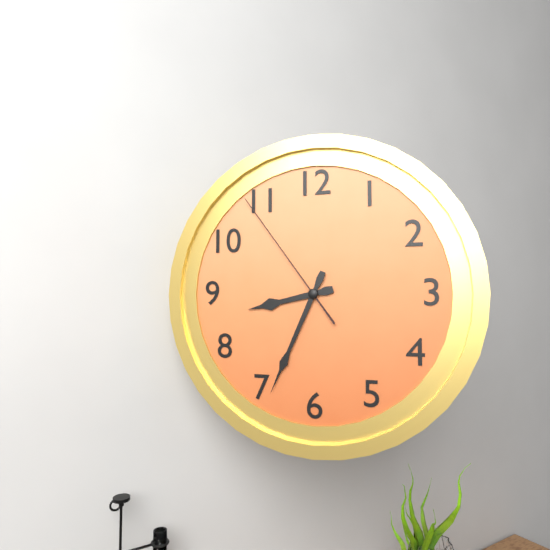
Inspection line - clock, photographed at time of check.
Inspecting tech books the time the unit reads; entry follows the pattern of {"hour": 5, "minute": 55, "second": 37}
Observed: {"hour": 8, "minute": 34, "second": 54}
